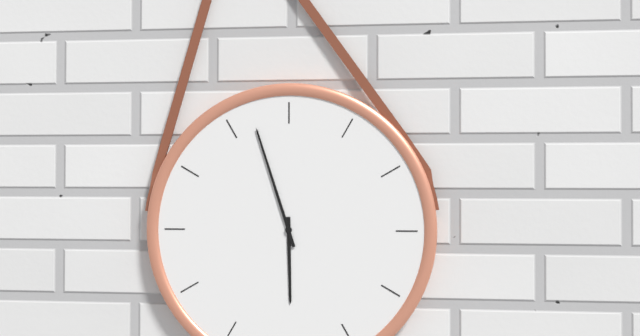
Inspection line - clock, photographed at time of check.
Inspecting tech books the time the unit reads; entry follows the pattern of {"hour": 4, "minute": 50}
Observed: {"hour": 5, "minute": 57}
